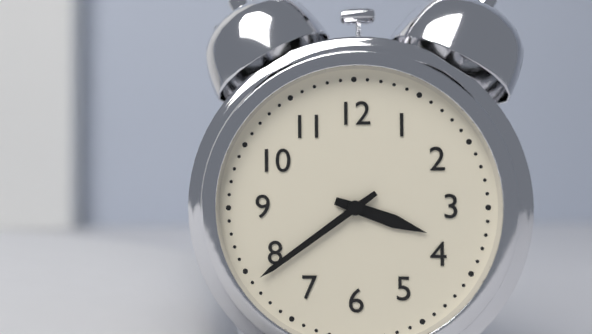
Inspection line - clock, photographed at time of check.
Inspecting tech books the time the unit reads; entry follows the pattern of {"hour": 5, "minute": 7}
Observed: {"hour": 3, "minute": 39}
